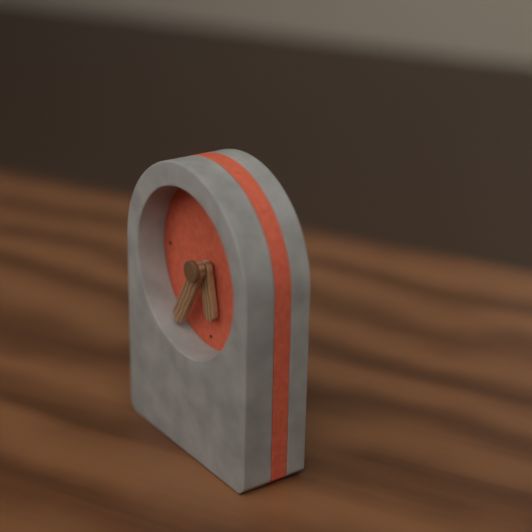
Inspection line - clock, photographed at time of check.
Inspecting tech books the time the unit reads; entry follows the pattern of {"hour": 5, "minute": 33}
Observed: {"hour": 5, "minute": 35}
